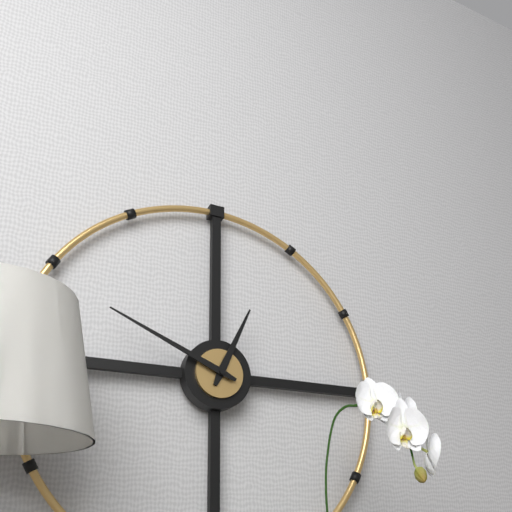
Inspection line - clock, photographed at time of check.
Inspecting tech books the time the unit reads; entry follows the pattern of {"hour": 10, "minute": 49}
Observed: {"hour": 12, "minute": 49}
